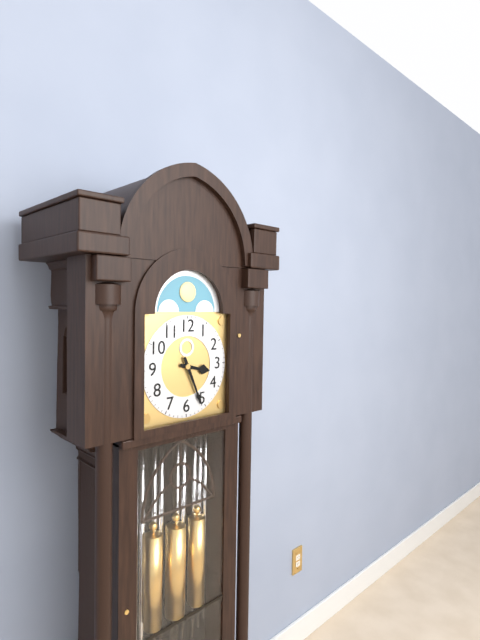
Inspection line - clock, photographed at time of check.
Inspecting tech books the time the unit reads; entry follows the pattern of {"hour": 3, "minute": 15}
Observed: {"hour": 3, "minute": 26}
